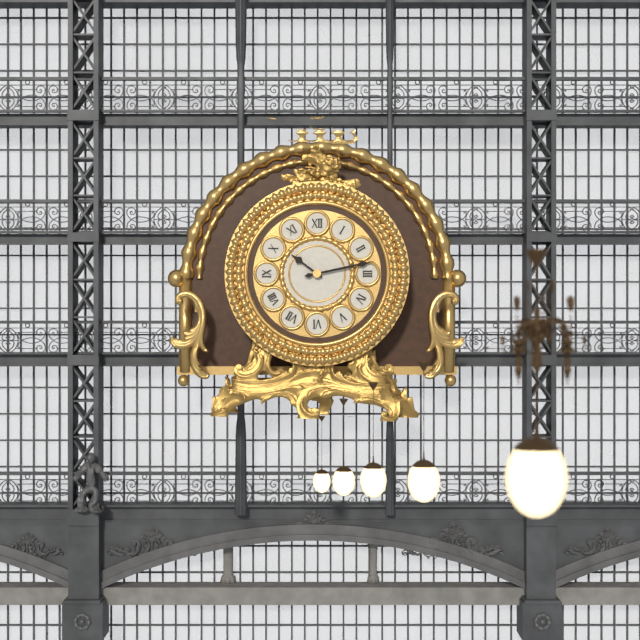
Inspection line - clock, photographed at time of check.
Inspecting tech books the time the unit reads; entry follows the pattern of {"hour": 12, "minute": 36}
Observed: {"hour": 10, "minute": 13}
